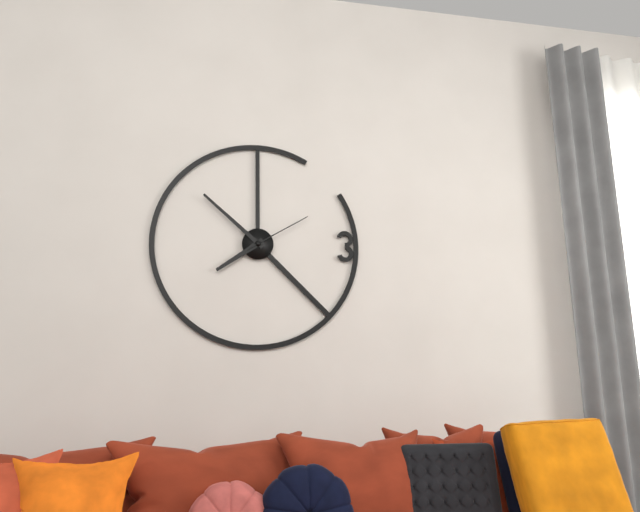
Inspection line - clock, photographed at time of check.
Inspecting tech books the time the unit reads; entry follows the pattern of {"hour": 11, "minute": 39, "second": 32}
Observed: {"hour": 7, "minute": 52, "second": 10}
